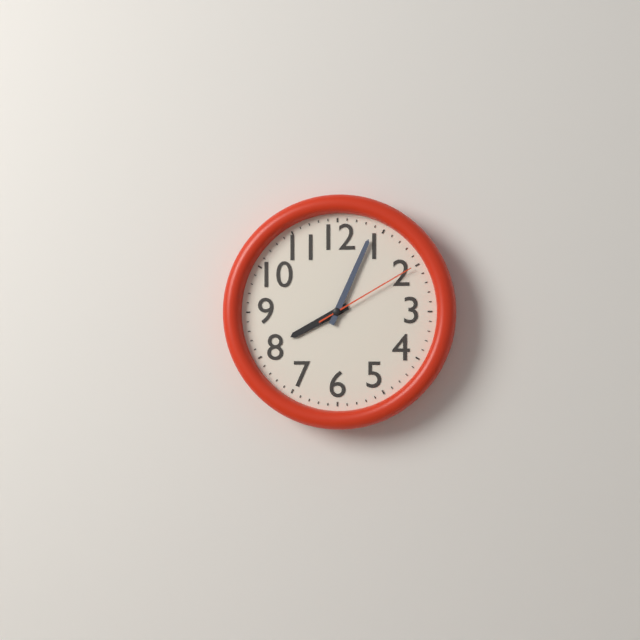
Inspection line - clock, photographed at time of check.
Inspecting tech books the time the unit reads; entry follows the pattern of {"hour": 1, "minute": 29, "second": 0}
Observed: {"hour": 8, "minute": 4, "second": 10}
